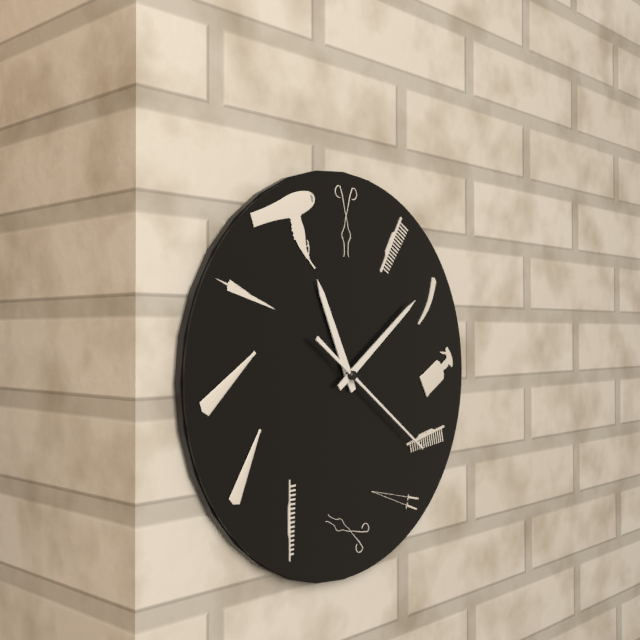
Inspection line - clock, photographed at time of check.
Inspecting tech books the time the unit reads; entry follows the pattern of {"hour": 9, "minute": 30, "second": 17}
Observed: {"hour": 11, "minute": 9, "second": 21}
